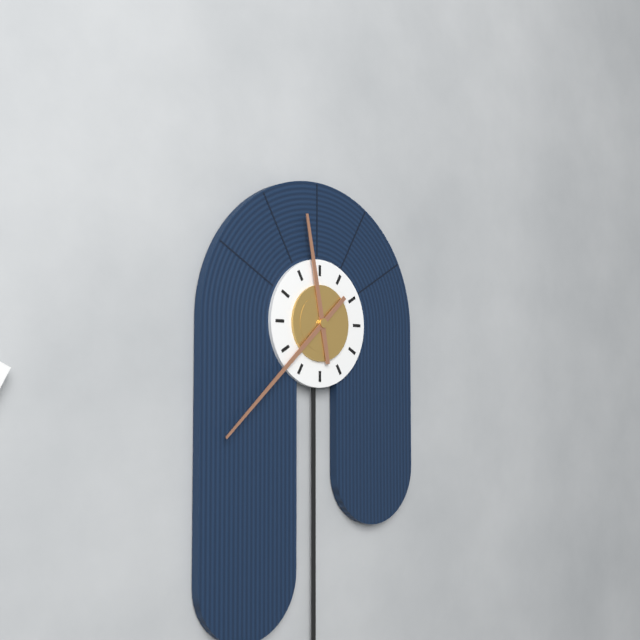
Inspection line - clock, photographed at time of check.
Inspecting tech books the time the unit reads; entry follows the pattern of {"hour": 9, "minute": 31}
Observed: {"hour": 11, "minute": 38}
